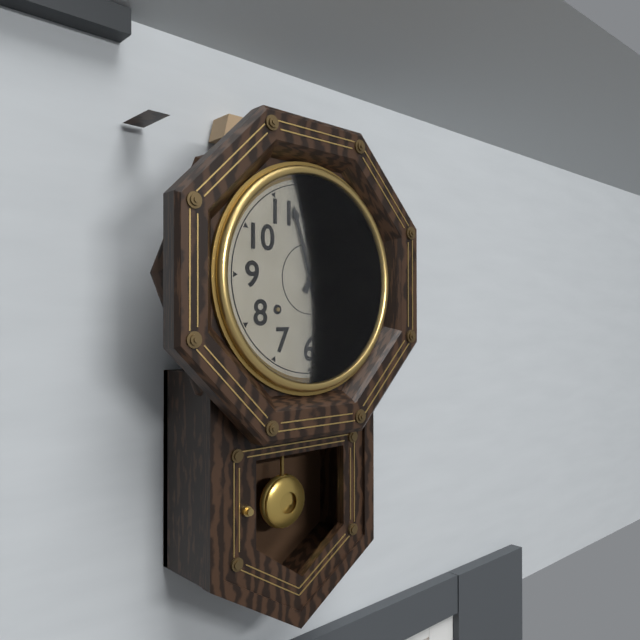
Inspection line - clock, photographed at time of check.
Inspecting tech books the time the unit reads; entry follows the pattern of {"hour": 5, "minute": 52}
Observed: {"hour": 12, "minute": 57}
